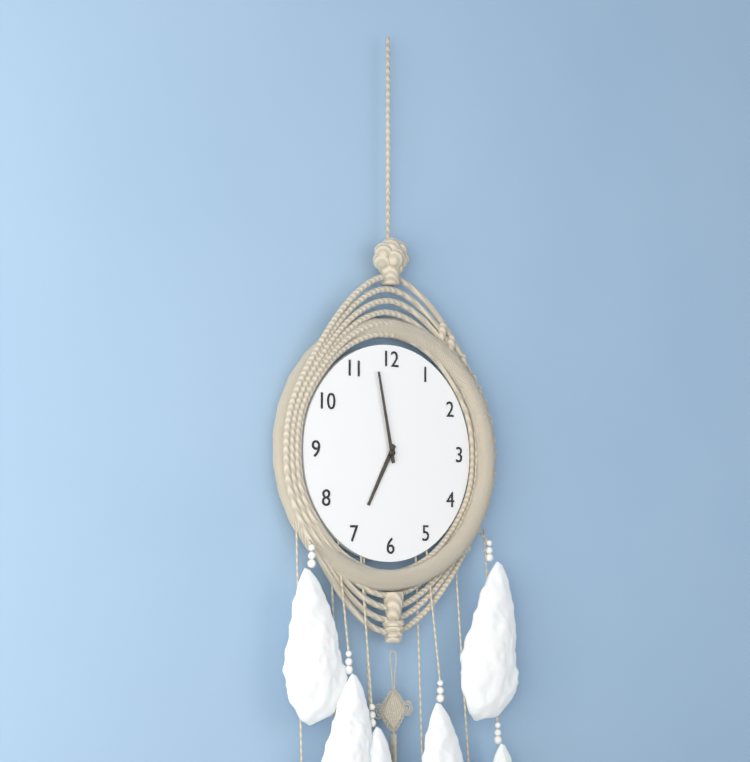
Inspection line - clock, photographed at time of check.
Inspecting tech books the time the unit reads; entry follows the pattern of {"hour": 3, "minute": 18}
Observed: {"hour": 6, "minute": 58}
